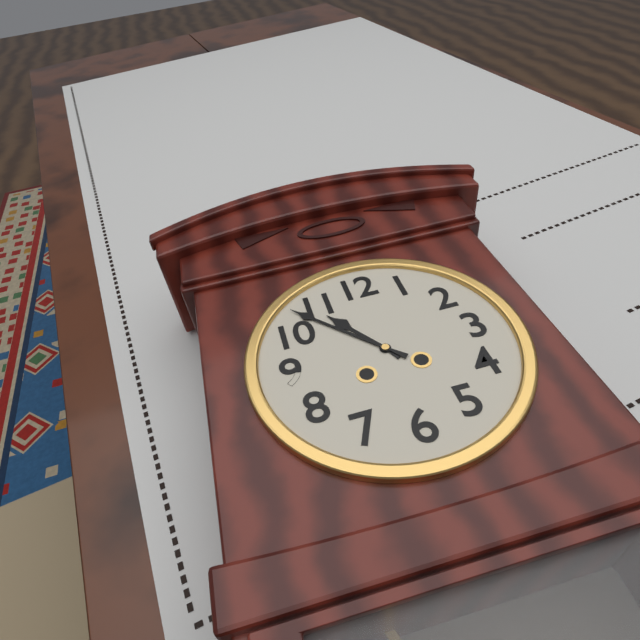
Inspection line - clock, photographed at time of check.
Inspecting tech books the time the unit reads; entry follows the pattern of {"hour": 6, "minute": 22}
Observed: {"hour": 10, "minute": 53}
